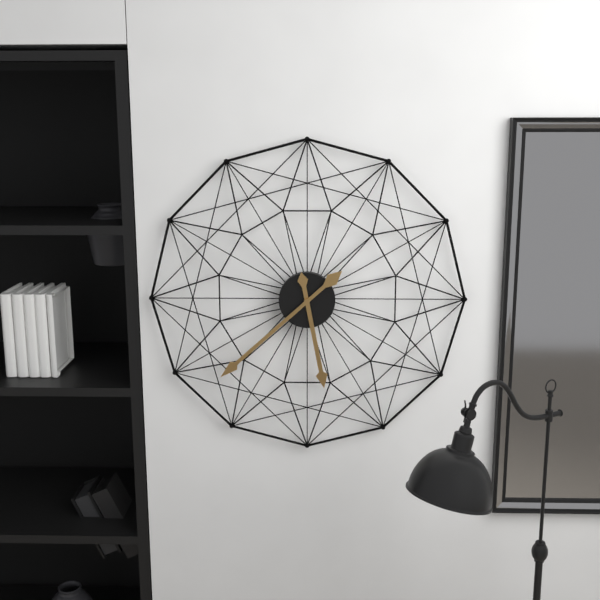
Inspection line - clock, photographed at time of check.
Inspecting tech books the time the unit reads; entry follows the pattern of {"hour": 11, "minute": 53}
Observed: {"hour": 5, "minute": 38}
